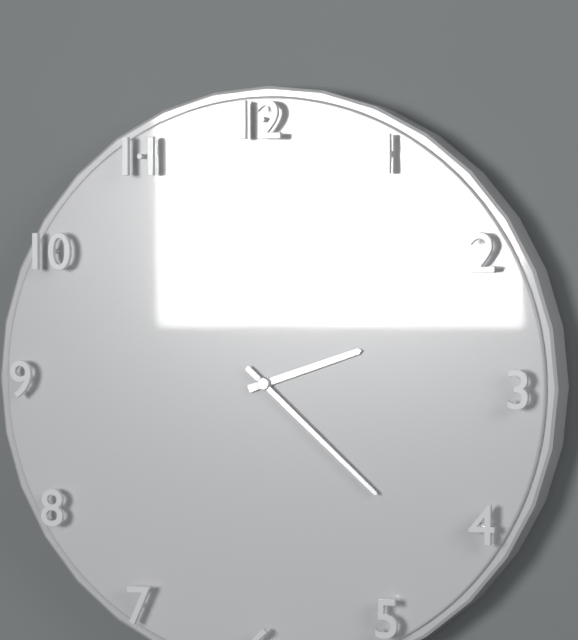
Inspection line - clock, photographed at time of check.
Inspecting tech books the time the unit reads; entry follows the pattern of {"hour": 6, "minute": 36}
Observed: {"hour": 2, "minute": 22}
